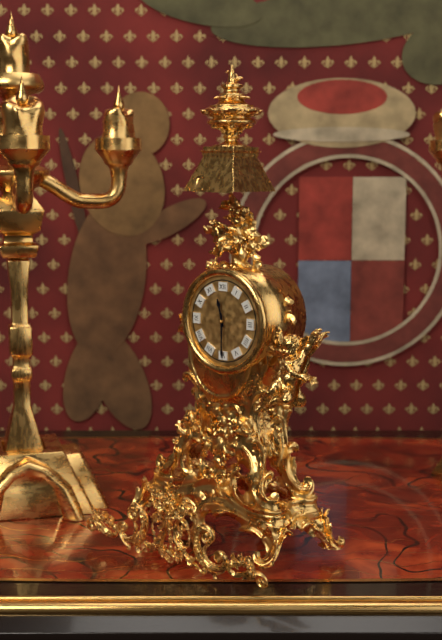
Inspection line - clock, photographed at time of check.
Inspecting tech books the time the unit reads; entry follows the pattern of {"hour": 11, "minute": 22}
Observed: {"hour": 11, "minute": 30}
